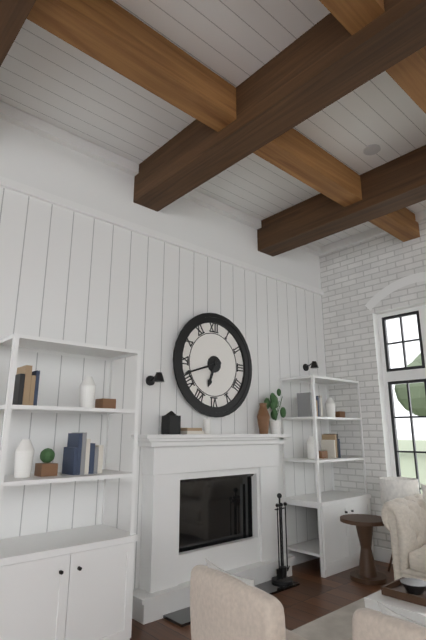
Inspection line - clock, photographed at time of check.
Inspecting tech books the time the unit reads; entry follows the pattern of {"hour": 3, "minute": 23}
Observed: {"hour": 6, "minute": 42}
